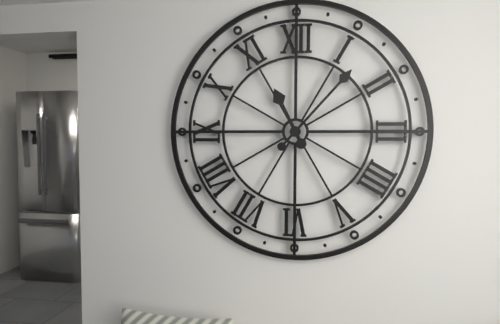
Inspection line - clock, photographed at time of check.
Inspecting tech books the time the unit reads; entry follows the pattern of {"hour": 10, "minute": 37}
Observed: {"hour": 11, "minute": 7}
